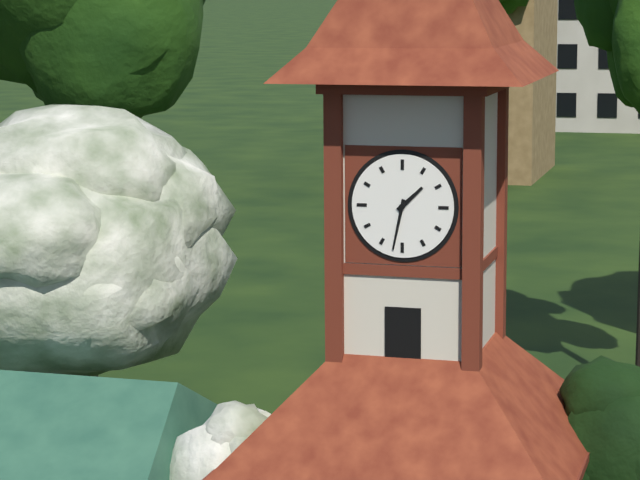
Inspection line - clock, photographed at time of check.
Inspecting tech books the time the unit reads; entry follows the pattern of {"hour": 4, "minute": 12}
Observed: {"hour": 1, "minute": 32}
